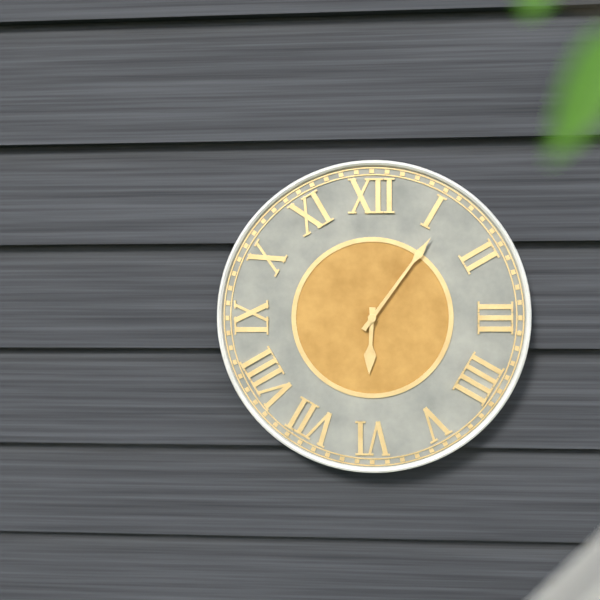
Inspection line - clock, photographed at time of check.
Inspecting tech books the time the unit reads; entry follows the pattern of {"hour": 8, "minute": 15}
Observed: {"hour": 6, "minute": 6}
